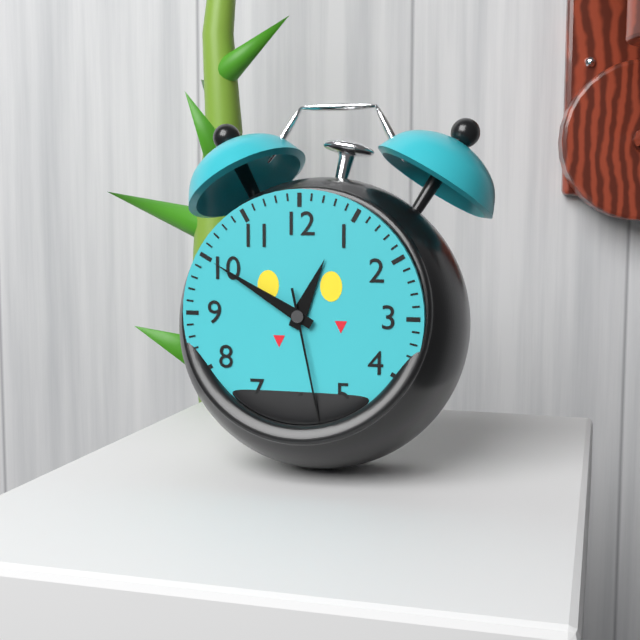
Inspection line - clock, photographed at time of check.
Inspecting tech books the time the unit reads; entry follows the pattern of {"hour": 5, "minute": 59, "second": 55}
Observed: {"hour": 12, "minute": 50, "second": 28}
